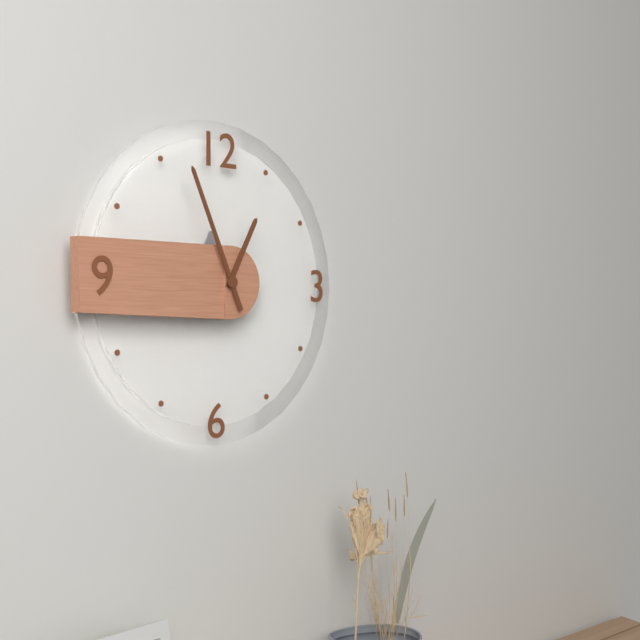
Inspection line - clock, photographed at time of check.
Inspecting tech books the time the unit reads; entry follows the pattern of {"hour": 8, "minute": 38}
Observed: {"hour": 12, "minute": 56}
